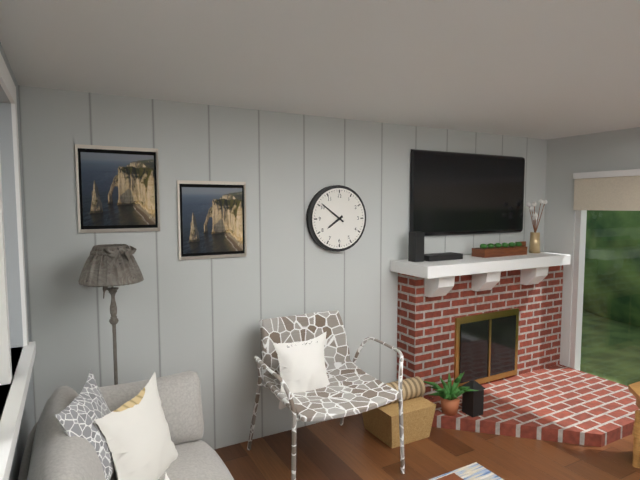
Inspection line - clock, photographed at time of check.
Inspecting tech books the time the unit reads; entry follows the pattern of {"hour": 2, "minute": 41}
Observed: {"hour": 7, "minute": 51}
